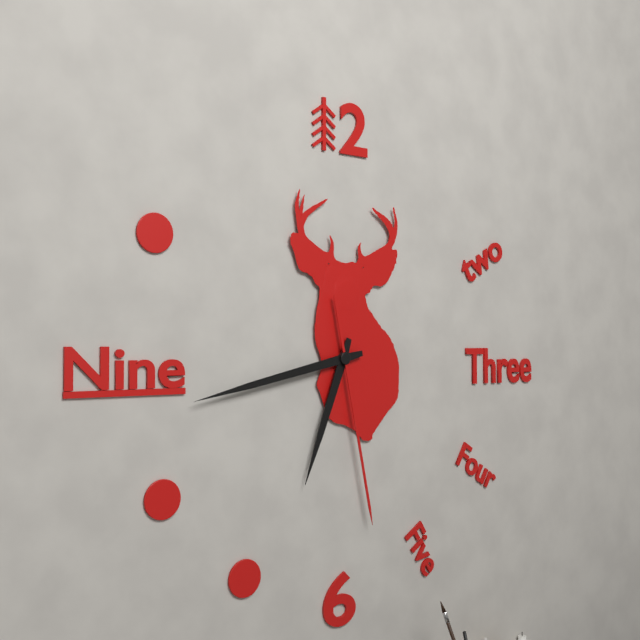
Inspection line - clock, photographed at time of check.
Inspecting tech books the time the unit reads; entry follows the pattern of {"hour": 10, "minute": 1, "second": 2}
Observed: {"hour": 6, "minute": 43, "second": 28}
